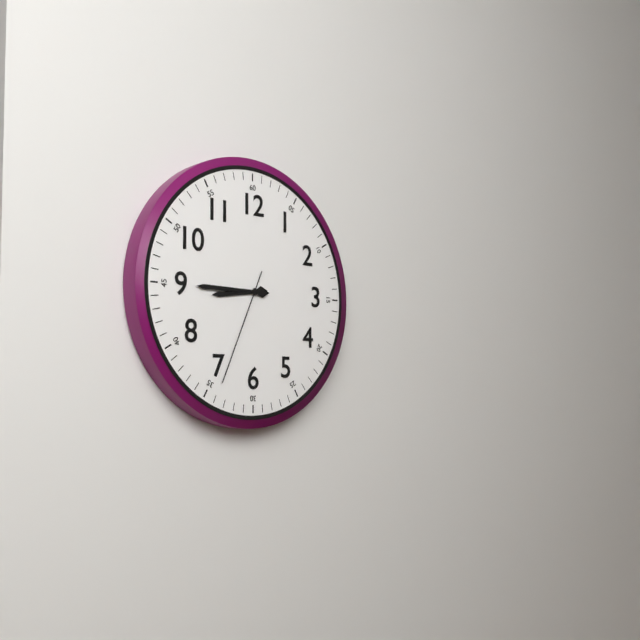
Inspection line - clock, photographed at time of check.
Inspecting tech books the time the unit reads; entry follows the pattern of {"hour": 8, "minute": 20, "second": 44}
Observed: {"hour": 8, "minute": 45, "second": 34}
